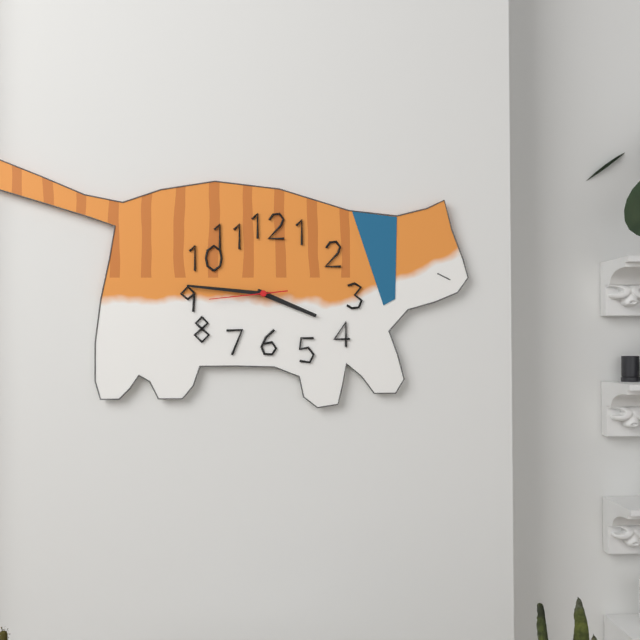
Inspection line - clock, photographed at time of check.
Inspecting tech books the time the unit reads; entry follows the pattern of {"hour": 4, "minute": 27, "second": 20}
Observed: {"hour": 3, "minute": 46, "second": 44}
